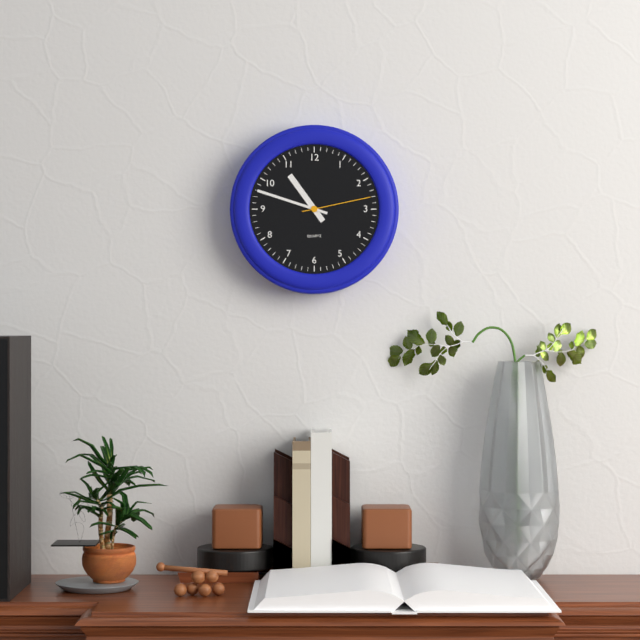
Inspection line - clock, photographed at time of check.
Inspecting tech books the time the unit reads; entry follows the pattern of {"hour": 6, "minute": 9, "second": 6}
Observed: {"hour": 10, "minute": 48, "second": 13}
